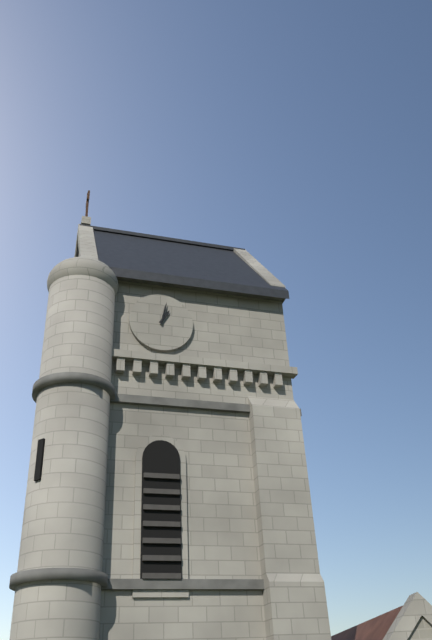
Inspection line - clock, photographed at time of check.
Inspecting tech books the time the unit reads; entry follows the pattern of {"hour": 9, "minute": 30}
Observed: {"hour": 1, "minute": 2}
